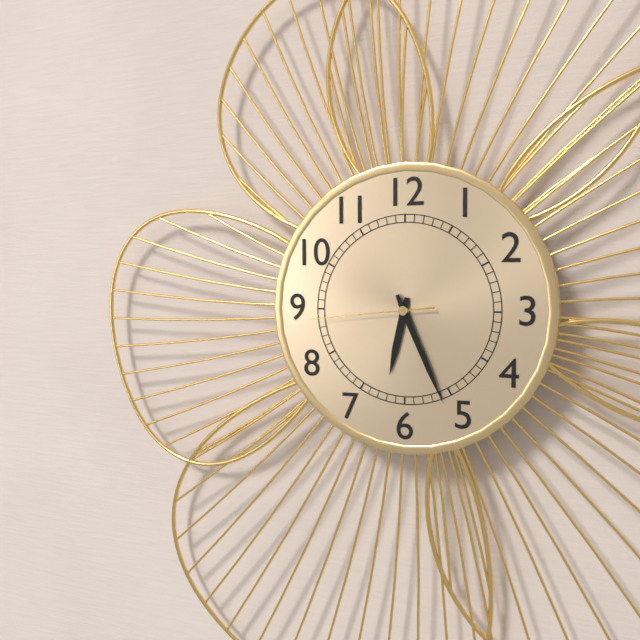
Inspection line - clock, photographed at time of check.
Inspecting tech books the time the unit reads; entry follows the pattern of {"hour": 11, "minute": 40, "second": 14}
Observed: {"hour": 6, "minute": 26, "second": 44}
